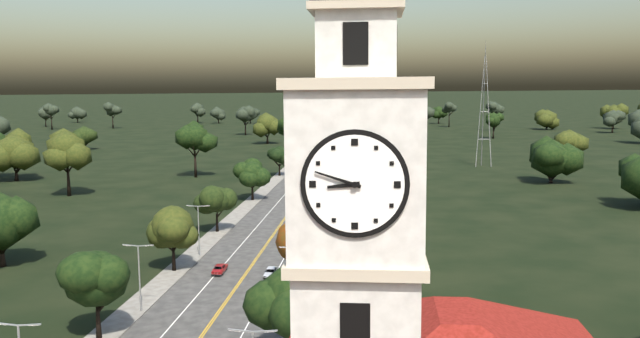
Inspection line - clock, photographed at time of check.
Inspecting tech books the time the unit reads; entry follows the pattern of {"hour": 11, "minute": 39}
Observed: {"hour": 8, "minute": 48}
